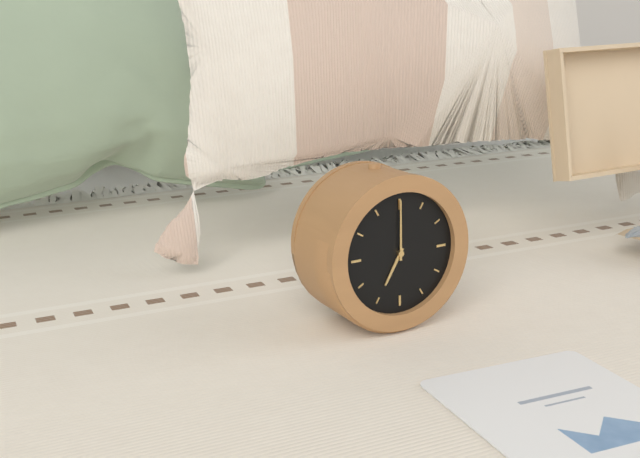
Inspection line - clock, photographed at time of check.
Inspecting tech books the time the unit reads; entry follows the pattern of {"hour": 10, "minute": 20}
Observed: {"hour": 7, "minute": 0}
